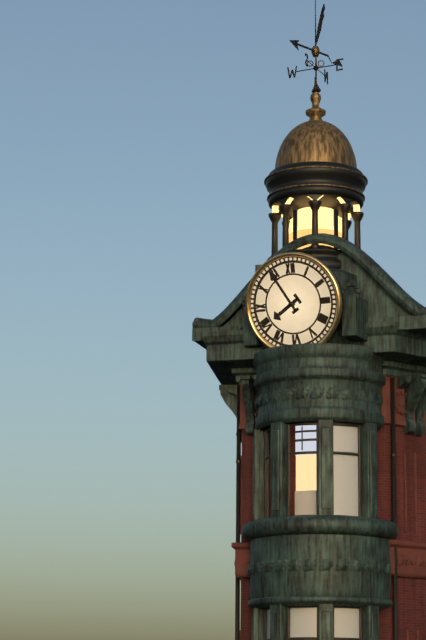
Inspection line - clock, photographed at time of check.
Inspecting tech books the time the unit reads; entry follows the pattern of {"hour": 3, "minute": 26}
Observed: {"hour": 7, "minute": 55}
